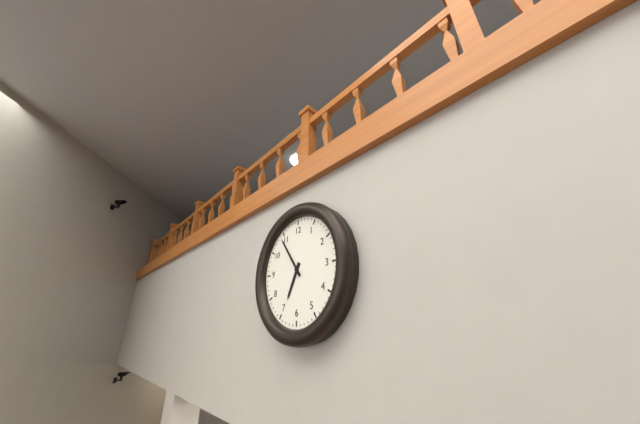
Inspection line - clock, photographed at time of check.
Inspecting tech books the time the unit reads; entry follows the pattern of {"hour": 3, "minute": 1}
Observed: {"hour": 6, "minute": 54}
